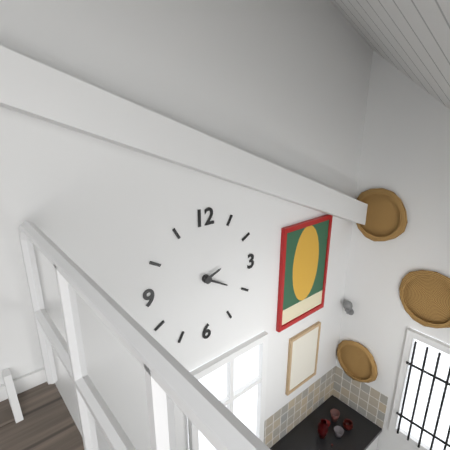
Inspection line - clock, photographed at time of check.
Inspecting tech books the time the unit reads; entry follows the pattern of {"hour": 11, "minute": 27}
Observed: {"hour": 2, "minute": 20}
